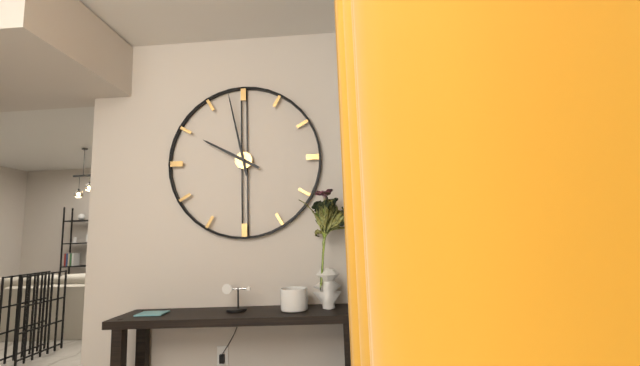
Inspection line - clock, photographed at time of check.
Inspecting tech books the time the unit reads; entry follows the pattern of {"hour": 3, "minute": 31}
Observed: {"hour": 9, "minute": 58}
